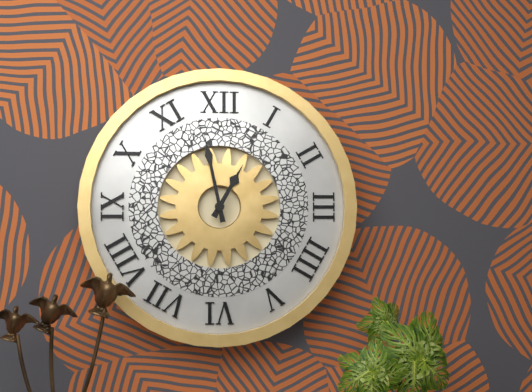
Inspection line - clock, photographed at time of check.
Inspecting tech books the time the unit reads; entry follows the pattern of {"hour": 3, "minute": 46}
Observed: {"hour": 12, "minute": 58}
